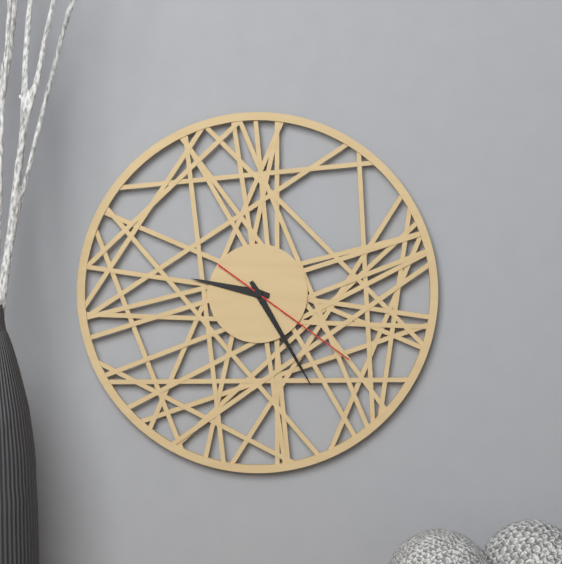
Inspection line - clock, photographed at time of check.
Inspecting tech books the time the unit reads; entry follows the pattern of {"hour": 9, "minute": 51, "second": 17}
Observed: {"hour": 9, "minute": 25, "second": 21}
